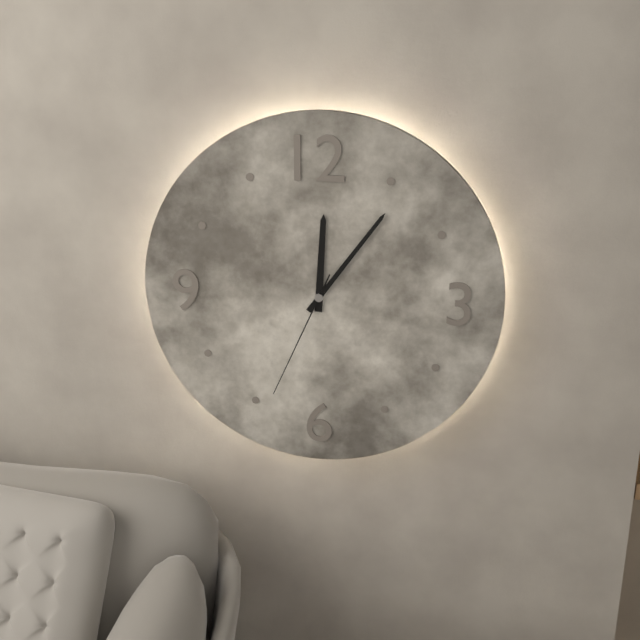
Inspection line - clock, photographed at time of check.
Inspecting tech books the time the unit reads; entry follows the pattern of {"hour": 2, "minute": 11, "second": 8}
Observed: {"hour": 12, "minute": 6, "second": 34}
